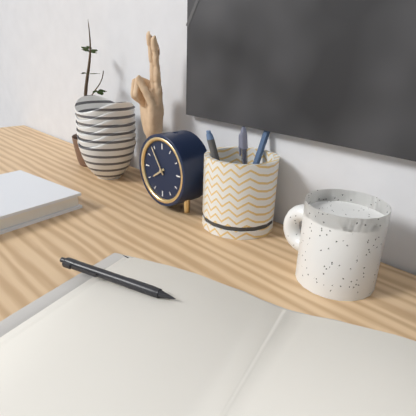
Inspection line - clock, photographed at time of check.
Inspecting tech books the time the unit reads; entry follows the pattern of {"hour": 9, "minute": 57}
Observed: {"hour": 7, "minute": 54}
